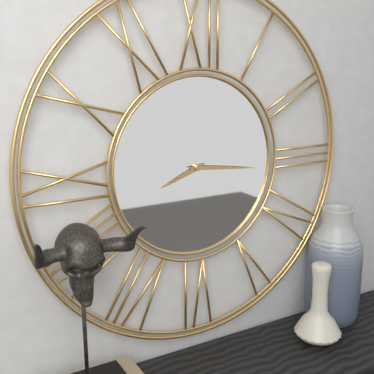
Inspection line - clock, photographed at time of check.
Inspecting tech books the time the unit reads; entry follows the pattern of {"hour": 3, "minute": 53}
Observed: {"hour": 8, "minute": 16}
